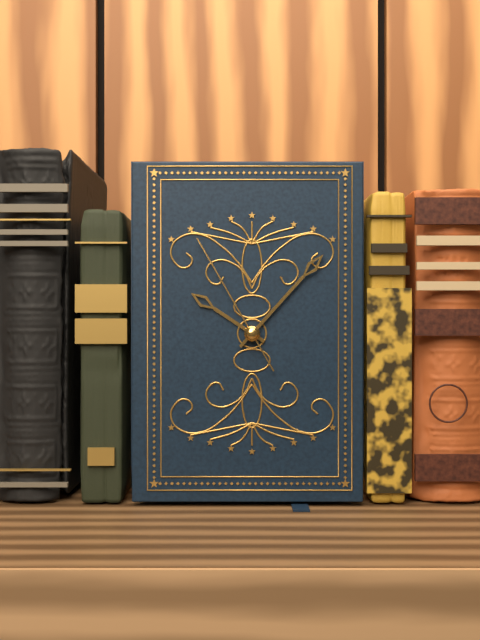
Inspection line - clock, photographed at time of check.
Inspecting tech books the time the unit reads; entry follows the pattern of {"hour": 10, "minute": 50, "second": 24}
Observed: {"hour": 10, "minute": 7, "second": 55}
